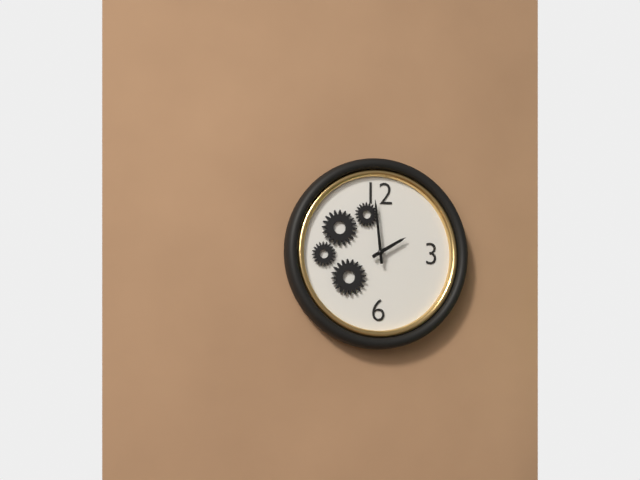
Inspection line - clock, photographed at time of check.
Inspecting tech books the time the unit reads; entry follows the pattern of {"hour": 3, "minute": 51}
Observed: {"hour": 1, "minute": 59}
